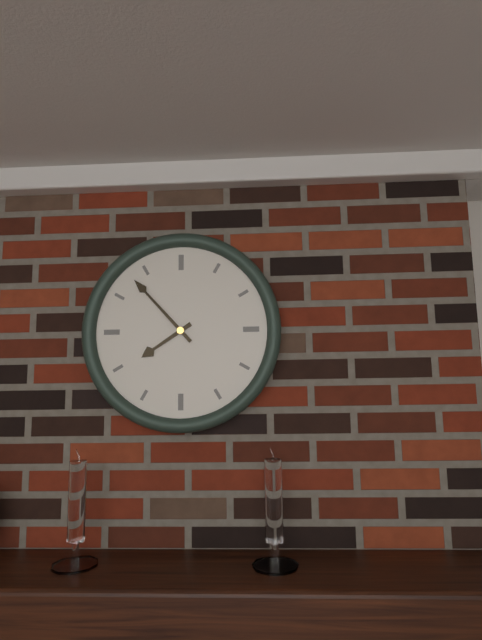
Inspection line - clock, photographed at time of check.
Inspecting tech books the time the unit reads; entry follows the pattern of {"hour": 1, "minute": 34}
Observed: {"hour": 7, "minute": 53}
